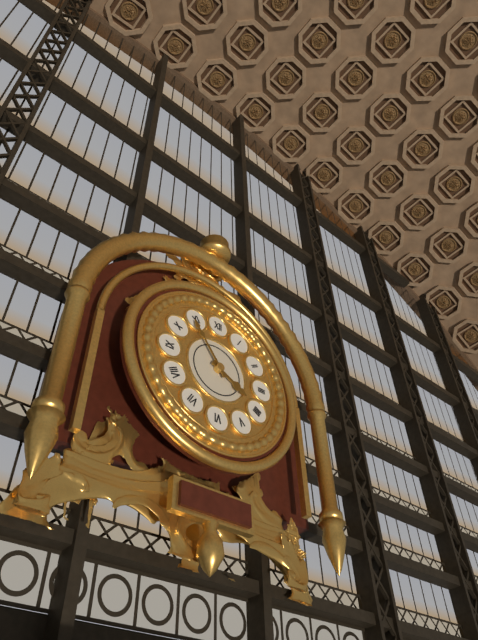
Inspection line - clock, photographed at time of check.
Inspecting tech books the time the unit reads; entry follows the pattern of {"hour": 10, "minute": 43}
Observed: {"hour": 3, "minute": 54}
